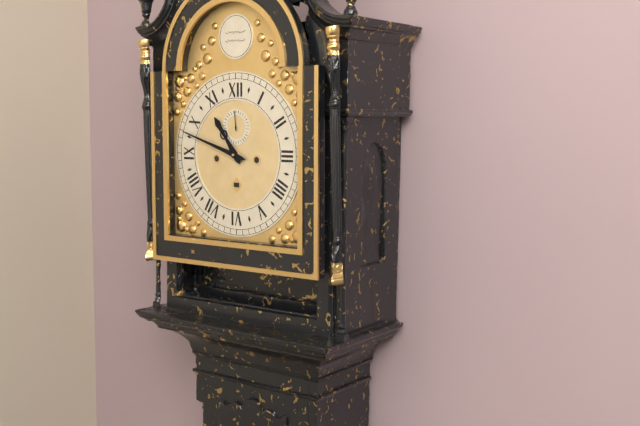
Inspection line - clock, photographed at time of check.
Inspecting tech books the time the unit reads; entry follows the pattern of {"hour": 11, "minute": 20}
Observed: {"hour": 10, "minute": 48}
